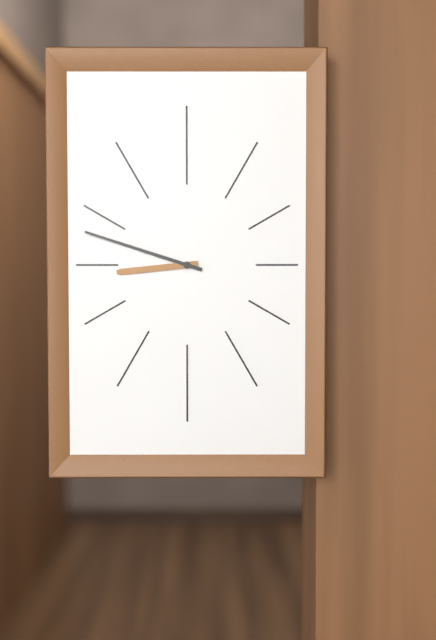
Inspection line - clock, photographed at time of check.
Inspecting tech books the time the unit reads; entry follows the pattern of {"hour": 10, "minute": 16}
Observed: {"hour": 8, "minute": 48}
